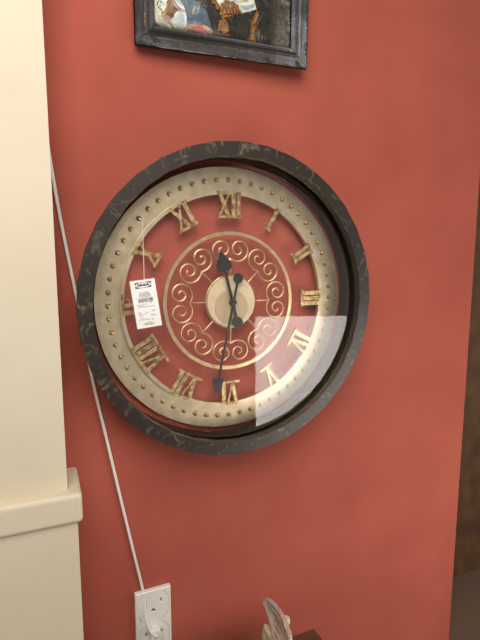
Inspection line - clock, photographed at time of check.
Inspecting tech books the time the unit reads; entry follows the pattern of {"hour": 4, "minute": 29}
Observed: {"hour": 11, "minute": 32}
